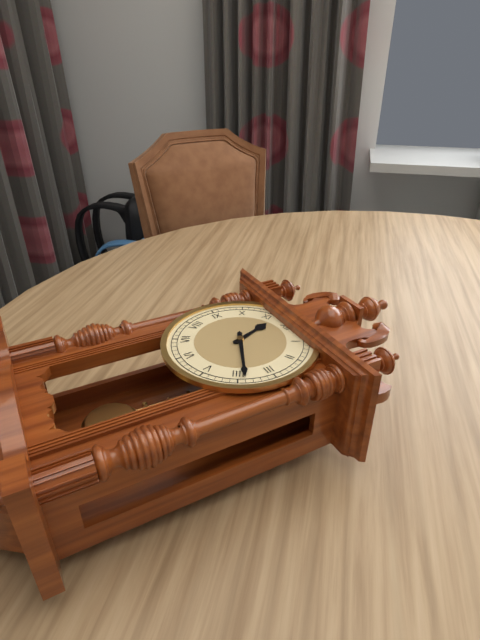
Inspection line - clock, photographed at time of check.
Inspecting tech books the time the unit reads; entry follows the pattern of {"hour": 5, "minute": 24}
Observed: {"hour": 11, "minute": 19}
